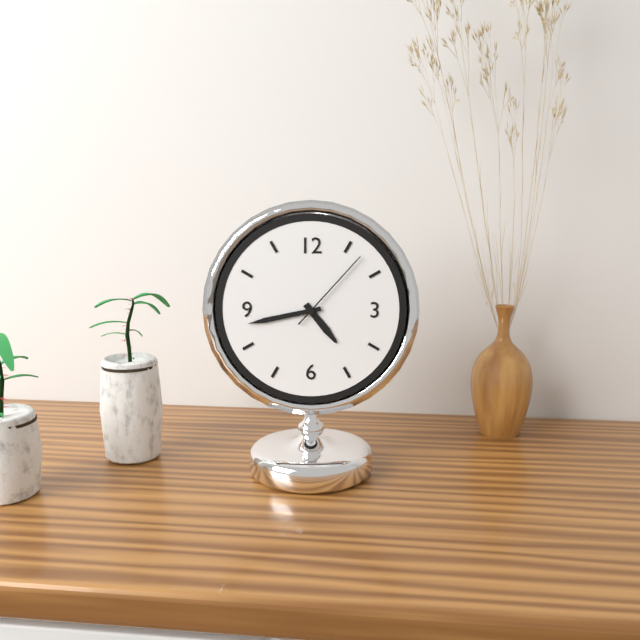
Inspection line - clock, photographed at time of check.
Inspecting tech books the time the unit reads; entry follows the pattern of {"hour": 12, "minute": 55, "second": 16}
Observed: {"hour": 4, "minute": 43, "second": 7}
